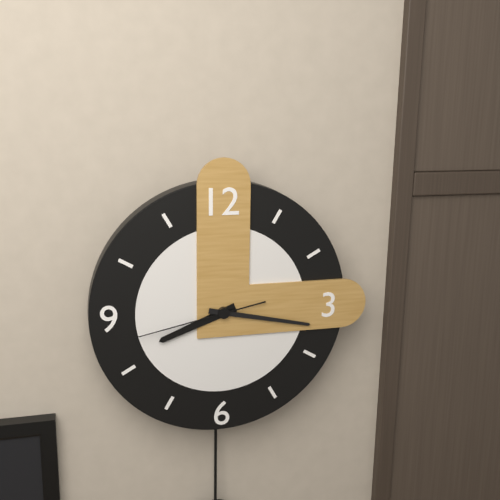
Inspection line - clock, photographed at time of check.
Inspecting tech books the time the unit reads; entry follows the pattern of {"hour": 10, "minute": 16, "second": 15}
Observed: {"hour": 8, "minute": 17, "second": 43}
